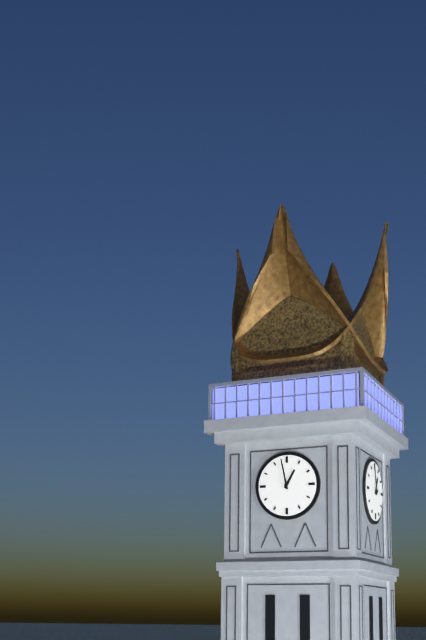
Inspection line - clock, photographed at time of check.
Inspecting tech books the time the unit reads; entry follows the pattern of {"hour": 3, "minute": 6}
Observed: {"hour": 12, "minute": 58}
